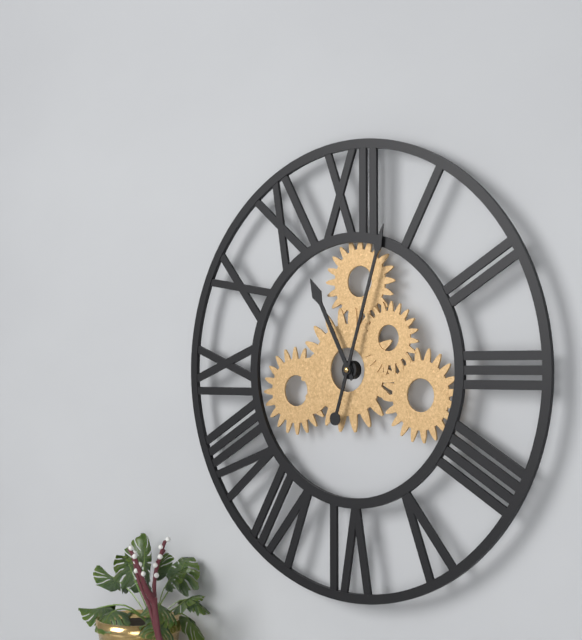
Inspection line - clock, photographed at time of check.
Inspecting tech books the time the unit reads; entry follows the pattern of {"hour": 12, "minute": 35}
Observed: {"hour": 11, "minute": 3}
